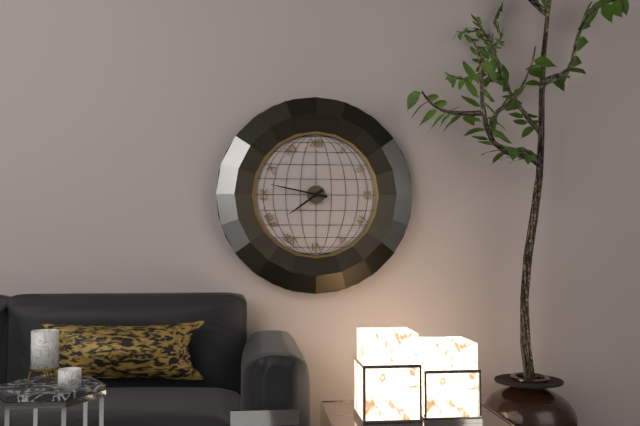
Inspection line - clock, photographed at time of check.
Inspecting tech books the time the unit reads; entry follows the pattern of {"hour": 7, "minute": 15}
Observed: {"hour": 7, "minute": 47}
